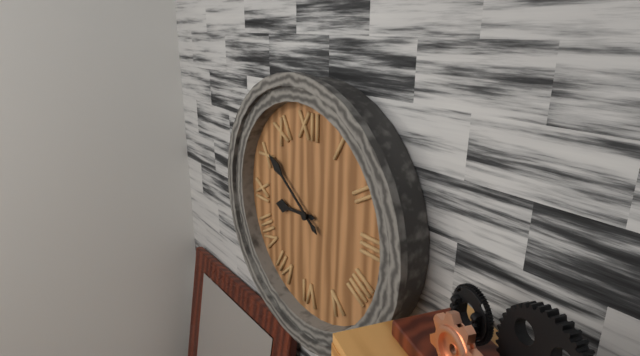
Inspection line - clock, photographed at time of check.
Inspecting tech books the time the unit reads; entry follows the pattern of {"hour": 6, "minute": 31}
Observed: {"hour": 8, "minute": 51}
